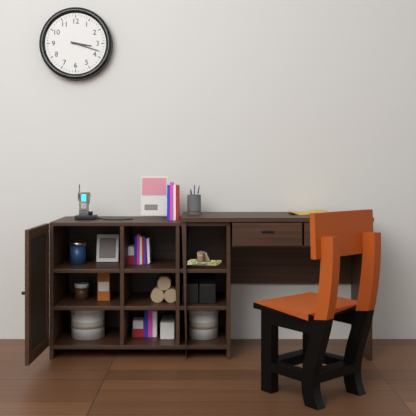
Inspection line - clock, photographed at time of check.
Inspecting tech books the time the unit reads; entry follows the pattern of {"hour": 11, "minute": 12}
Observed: {"hour": 3, "minute": 18}
